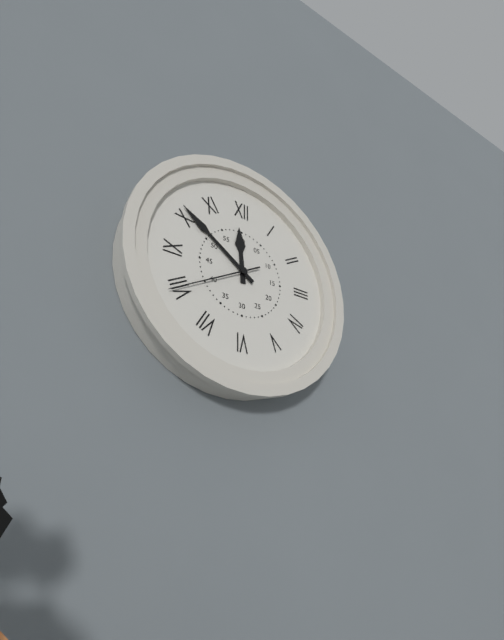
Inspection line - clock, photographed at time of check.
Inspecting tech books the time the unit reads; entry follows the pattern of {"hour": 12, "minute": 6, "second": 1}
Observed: {"hour": 11, "minute": 51, "second": 40}
